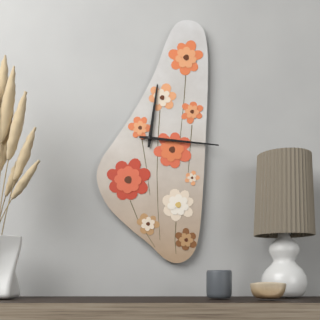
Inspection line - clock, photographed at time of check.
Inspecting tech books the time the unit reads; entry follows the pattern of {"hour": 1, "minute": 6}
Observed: {"hour": 12, "minute": 16}
